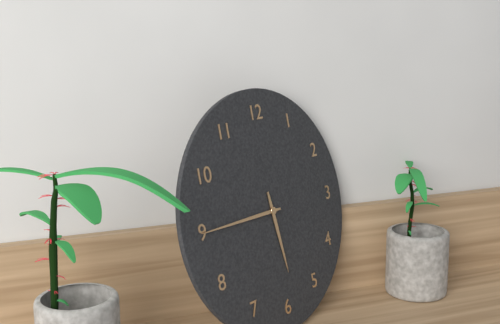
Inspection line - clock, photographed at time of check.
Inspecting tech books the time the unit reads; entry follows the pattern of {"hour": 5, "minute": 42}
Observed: {"hour": 5, "minute": 45}
